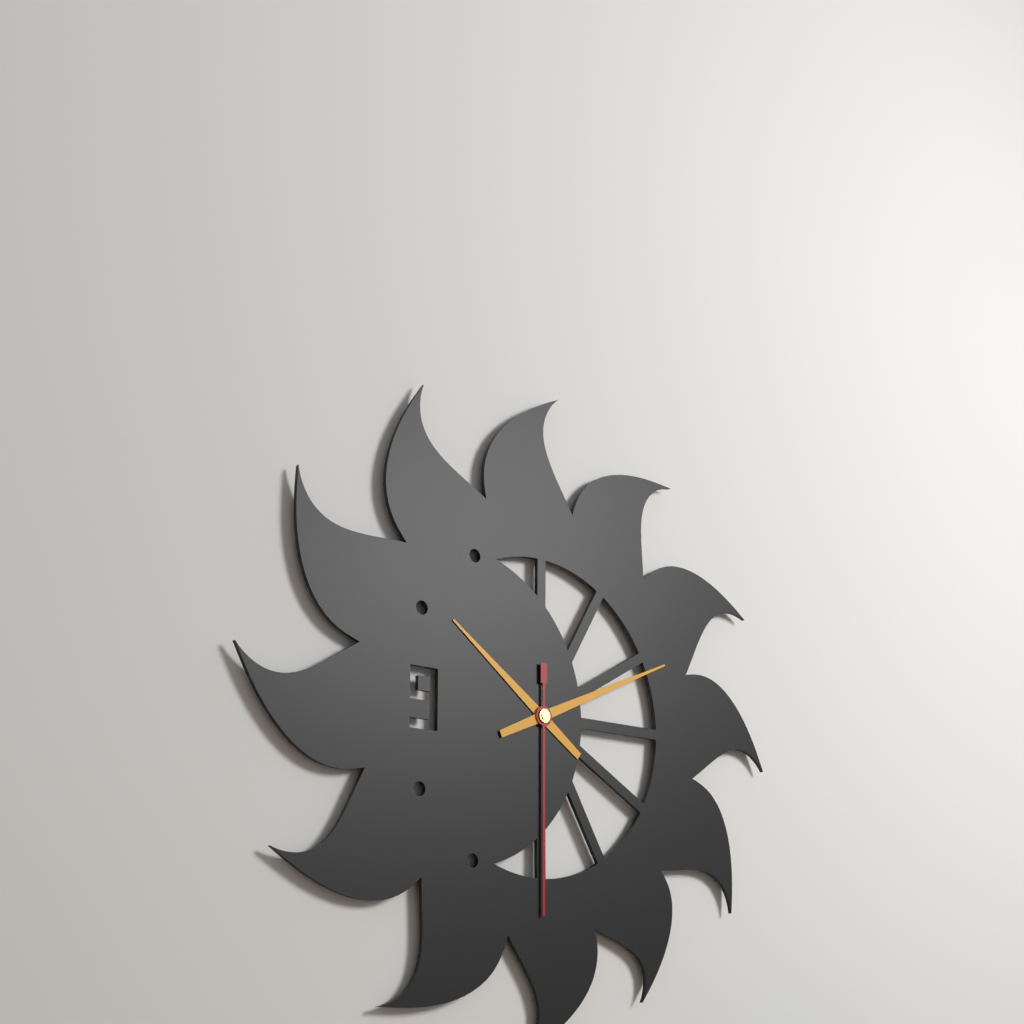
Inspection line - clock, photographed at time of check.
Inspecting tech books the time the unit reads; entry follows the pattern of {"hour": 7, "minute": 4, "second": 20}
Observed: {"hour": 10, "minute": 11, "second": 30}
